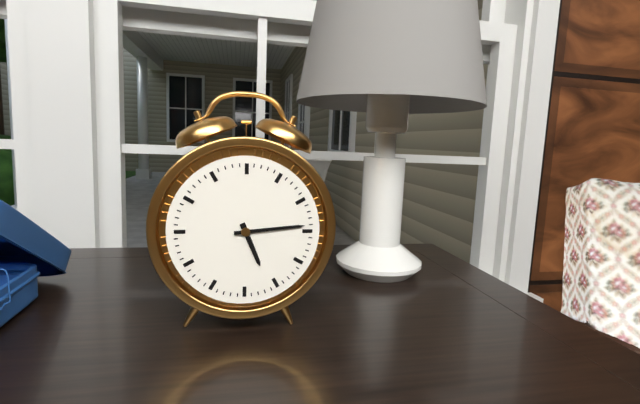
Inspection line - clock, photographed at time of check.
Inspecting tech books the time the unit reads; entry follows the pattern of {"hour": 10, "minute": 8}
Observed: {"hour": 5, "minute": 14}
